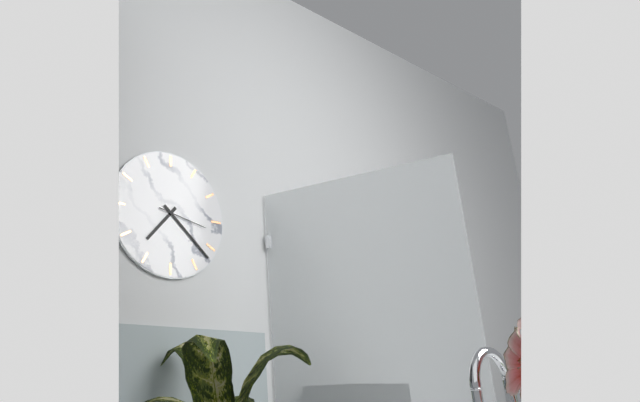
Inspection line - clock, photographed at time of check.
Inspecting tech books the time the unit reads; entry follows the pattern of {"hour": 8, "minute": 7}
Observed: {"hour": 7, "minute": 22}
